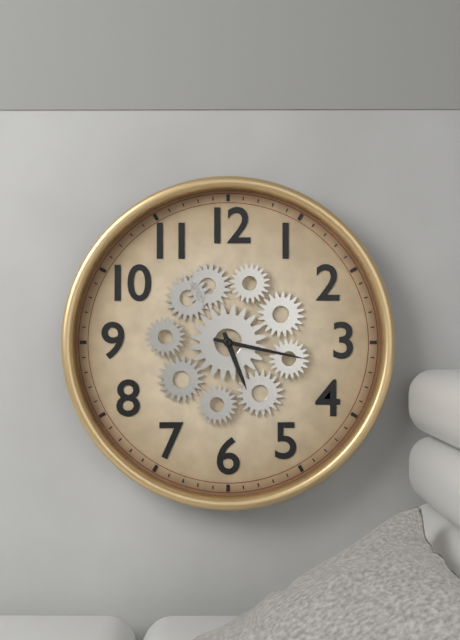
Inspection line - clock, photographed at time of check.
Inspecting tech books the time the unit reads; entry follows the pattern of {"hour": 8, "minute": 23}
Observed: {"hour": 5, "minute": 17}
